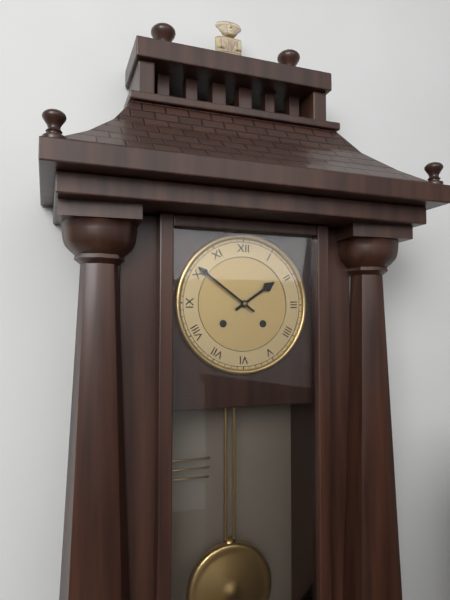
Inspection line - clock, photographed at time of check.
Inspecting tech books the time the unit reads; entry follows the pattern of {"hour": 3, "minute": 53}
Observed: {"hour": 1, "minute": 51}
